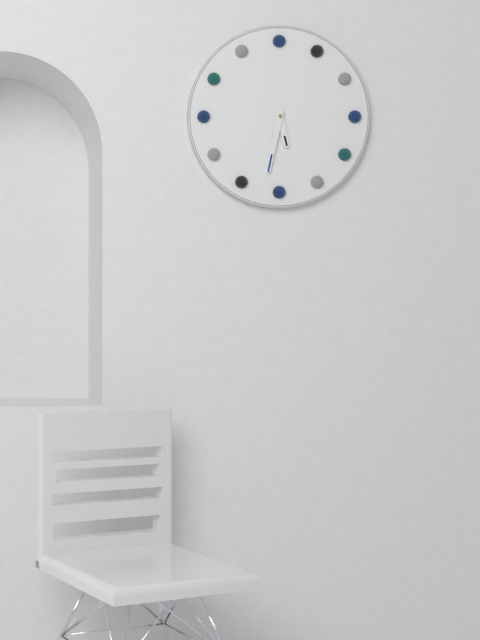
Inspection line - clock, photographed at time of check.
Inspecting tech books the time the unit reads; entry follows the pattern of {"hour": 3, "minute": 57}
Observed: {"hour": 5, "minute": 32}
